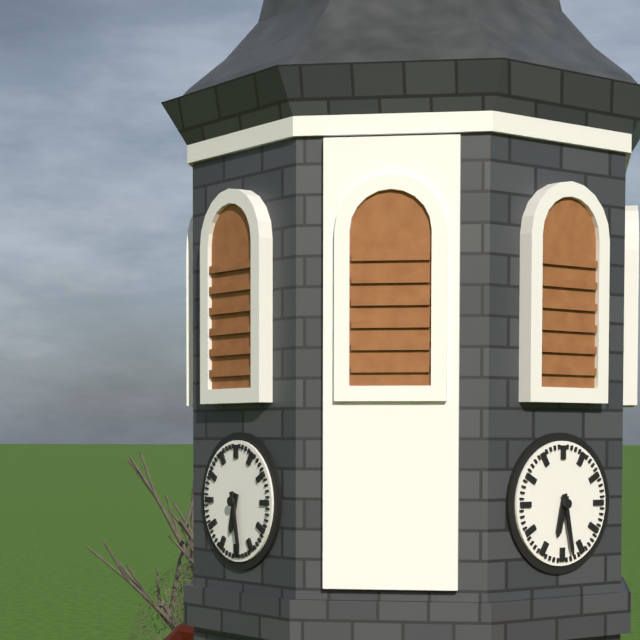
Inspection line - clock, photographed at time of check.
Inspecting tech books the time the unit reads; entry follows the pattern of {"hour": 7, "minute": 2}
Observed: {"hour": 6, "minute": 28}
